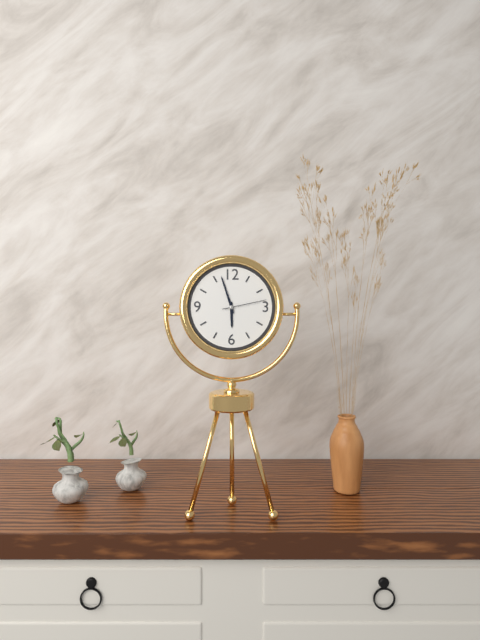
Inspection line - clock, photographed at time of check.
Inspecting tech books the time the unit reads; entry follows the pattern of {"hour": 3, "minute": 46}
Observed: {"hour": 5, "minute": 57}
